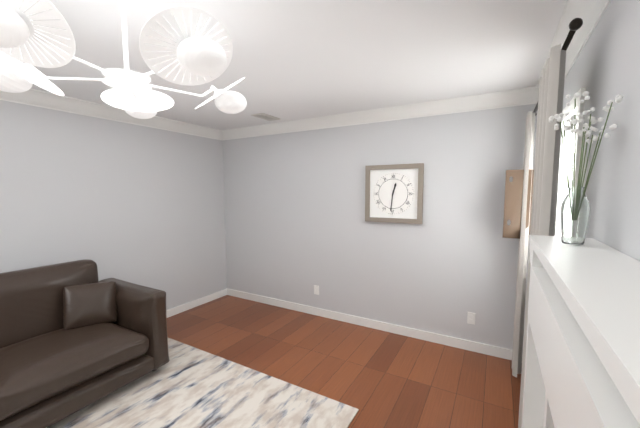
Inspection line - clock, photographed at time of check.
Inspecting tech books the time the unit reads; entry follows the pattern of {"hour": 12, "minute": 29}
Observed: {"hour": 12, "minute": 31}
